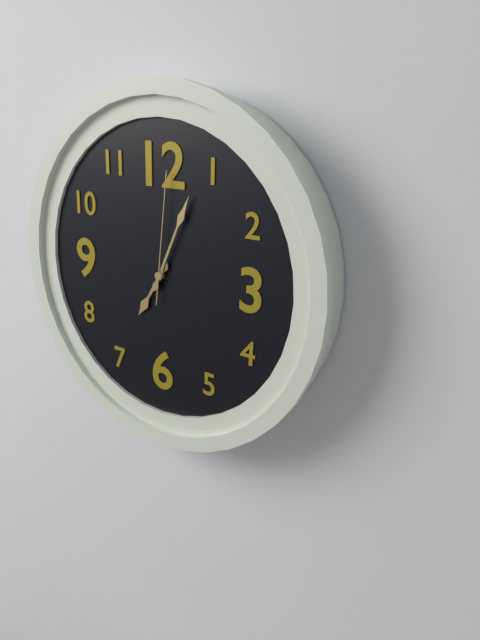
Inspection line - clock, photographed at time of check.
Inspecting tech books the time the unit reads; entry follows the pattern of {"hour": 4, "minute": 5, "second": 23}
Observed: {"hour": 7, "minute": 4, "second": 1}
